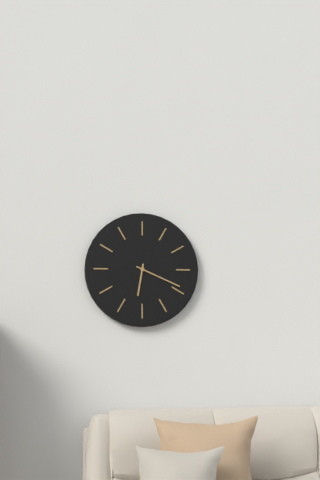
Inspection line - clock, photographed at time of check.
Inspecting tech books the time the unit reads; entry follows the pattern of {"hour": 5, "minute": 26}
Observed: {"hour": 6, "minute": 19}
